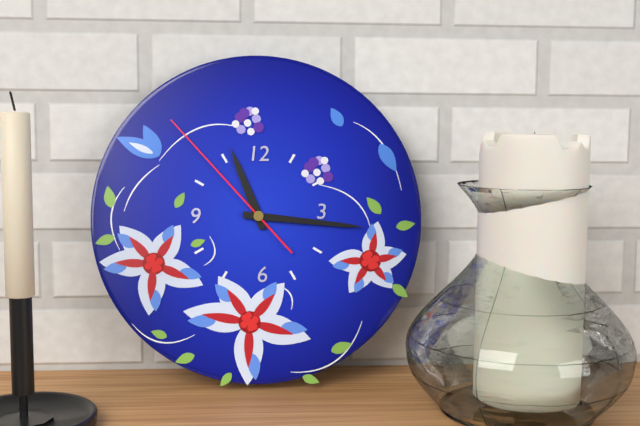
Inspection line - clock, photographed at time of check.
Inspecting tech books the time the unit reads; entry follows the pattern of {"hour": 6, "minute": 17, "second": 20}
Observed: {"hour": 11, "minute": 16, "second": 53}
